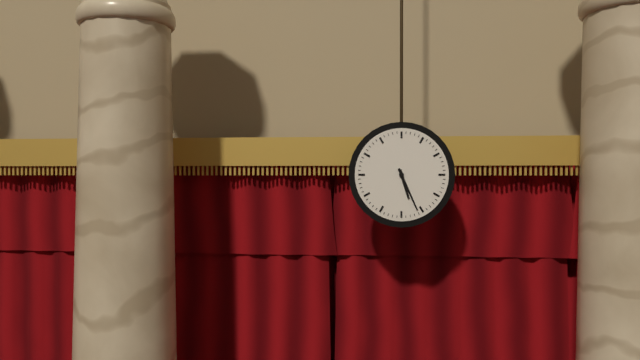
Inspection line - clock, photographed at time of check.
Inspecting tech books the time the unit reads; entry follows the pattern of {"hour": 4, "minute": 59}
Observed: {"hour": 5, "minute": 26}
